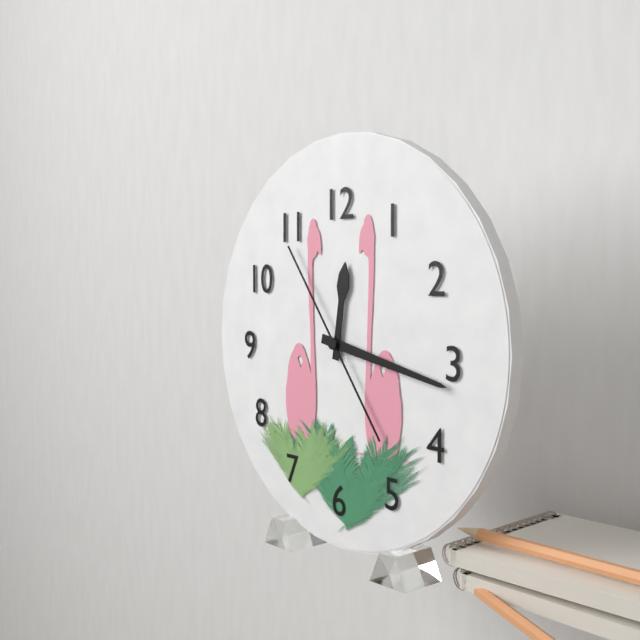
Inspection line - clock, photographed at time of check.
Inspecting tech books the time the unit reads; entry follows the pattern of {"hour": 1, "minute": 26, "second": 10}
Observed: {"hour": 12, "minute": 17, "second": 54}
